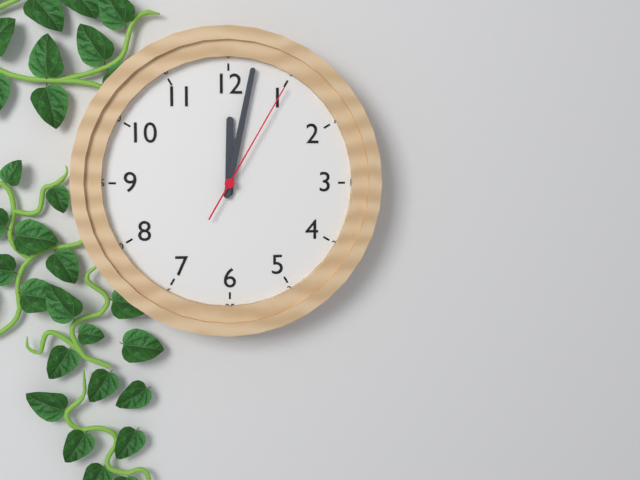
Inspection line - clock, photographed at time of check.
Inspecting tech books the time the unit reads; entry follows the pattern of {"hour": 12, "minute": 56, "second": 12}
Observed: {"hour": 12, "minute": 2, "second": 5}
